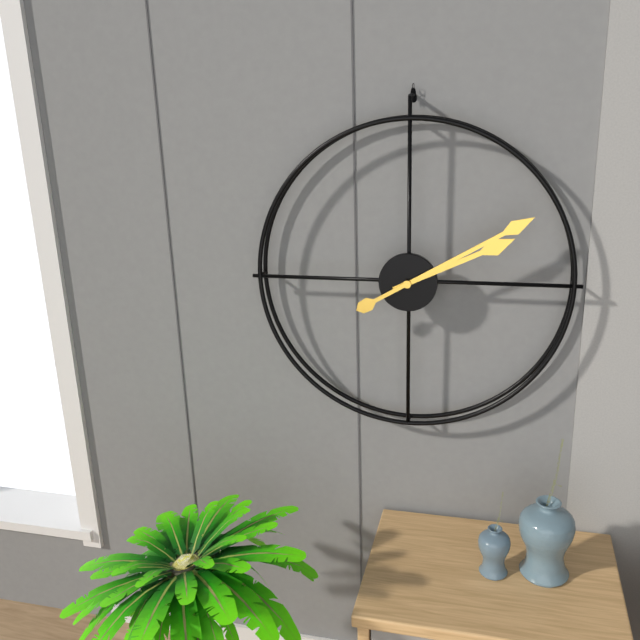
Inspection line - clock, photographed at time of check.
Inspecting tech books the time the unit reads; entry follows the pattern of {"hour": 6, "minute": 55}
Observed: {"hour": 2, "minute": 10}
